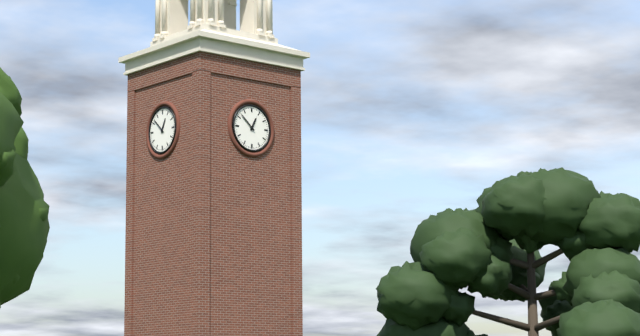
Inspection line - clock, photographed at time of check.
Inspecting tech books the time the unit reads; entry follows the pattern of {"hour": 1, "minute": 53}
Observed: {"hour": 12, "minute": 52}
